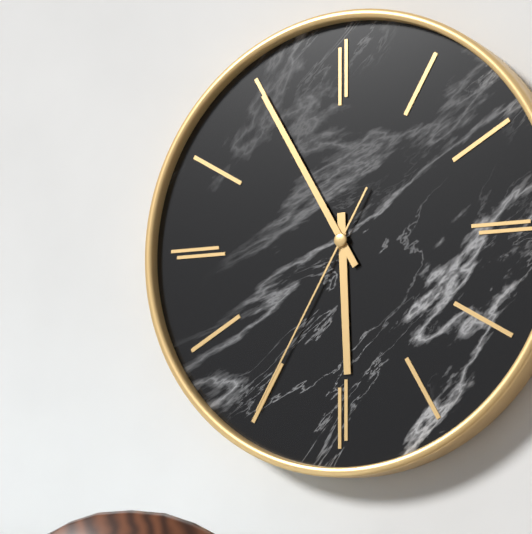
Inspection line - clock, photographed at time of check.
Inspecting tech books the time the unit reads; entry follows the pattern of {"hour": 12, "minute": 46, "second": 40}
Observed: {"hour": 5, "minute": 55, "second": 35}
